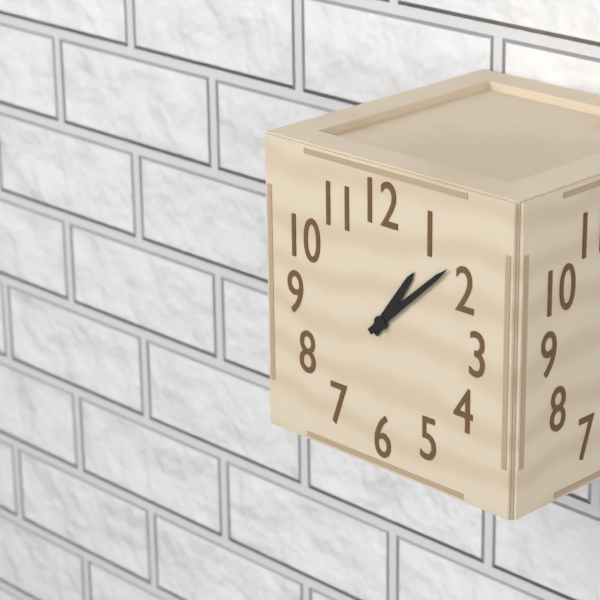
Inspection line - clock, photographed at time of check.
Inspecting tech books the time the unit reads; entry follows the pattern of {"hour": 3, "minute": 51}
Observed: {"hour": 1, "minute": 8}
